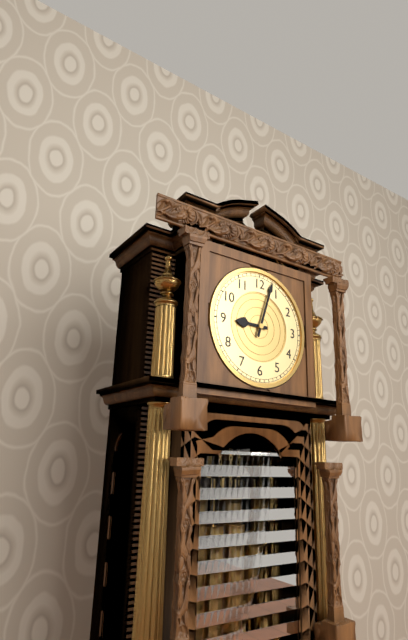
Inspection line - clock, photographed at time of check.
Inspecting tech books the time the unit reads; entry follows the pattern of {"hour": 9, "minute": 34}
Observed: {"hour": 9, "minute": 3}
